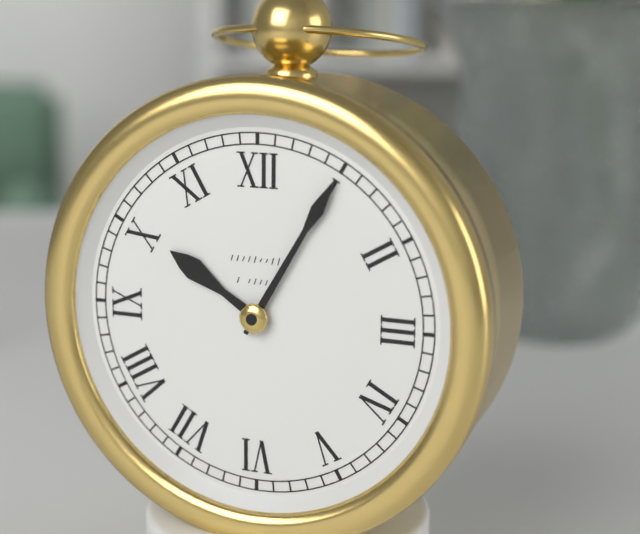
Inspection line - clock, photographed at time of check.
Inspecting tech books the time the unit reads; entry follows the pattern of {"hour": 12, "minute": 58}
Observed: {"hour": 10, "minute": 5}
